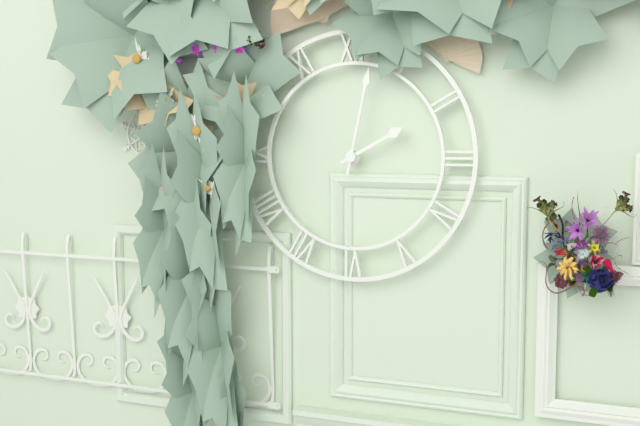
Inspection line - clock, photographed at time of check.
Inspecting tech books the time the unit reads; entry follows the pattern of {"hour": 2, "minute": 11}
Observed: {"hour": 2, "minute": 2}
